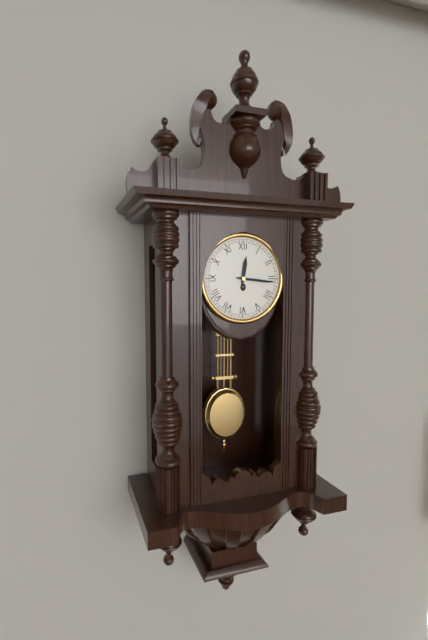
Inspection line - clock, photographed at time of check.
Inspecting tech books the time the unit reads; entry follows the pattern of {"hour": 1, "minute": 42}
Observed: {"hour": 12, "minute": 16}
